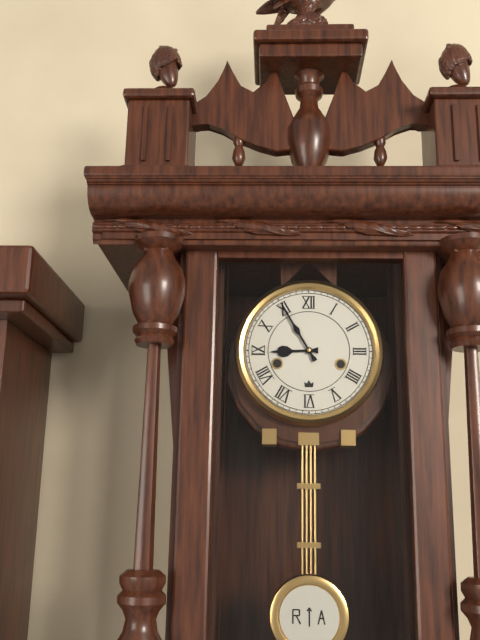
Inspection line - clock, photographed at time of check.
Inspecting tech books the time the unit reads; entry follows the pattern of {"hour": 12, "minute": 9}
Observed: {"hour": 8, "minute": 55}
